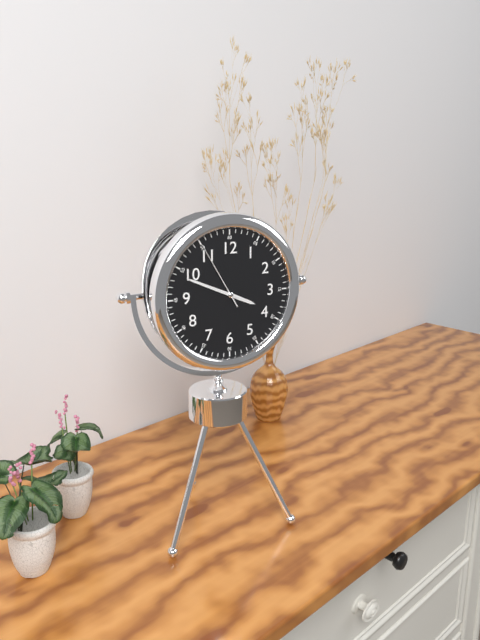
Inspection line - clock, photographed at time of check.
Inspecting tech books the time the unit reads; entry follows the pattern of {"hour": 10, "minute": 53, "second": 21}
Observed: {"hour": 3, "minute": 49, "second": 55}
